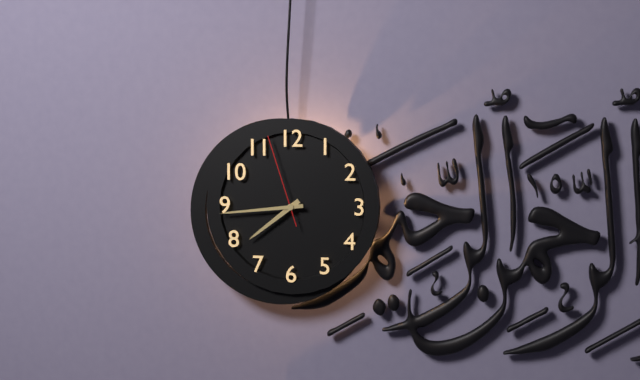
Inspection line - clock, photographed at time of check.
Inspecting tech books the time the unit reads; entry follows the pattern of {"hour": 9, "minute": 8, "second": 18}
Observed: {"hour": 7, "minute": 44, "second": 57}
